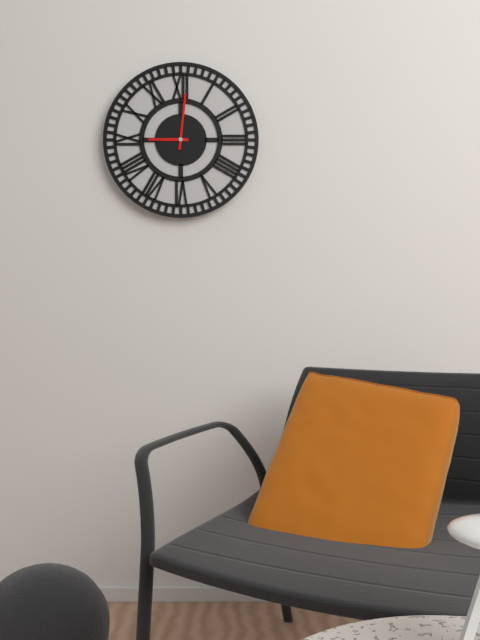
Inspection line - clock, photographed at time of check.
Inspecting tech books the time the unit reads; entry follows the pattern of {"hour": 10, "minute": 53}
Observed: {"hour": 9, "minute": 1}
